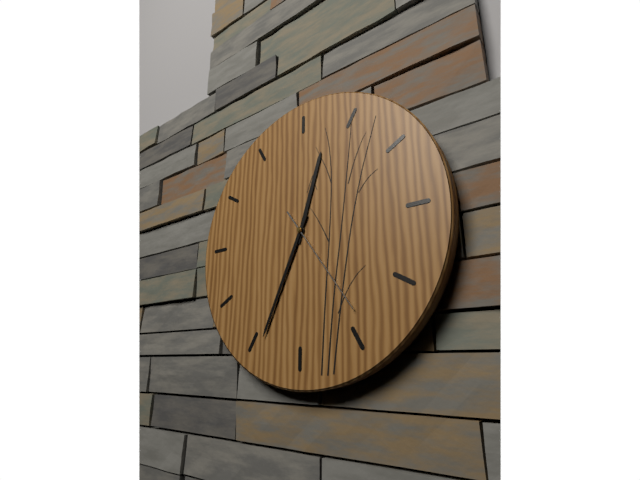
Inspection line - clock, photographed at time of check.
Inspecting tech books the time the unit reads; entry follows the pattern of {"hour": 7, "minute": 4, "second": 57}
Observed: {"hour": 12, "minute": 34, "second": 24}
